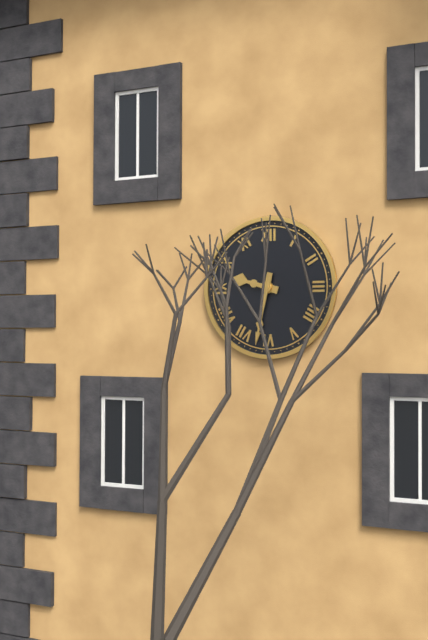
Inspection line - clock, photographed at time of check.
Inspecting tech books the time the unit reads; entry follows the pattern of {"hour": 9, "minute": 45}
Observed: {"hour": 9, "minute": 32}
